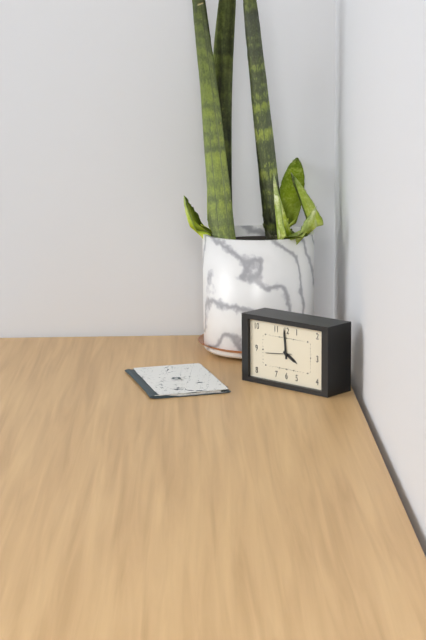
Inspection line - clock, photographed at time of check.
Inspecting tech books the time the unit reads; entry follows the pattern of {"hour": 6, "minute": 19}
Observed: {"hour": 3, "minute": 59}
